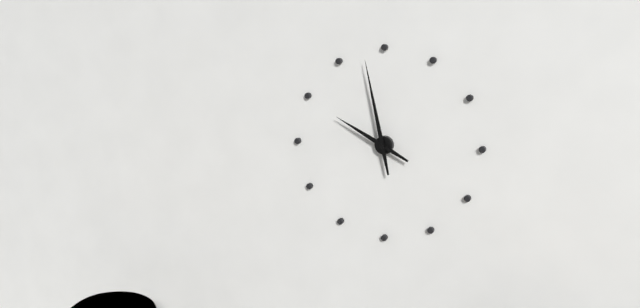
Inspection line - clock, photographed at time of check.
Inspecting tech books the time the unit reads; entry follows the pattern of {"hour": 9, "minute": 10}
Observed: {"hour": 9, "minute": 58}
